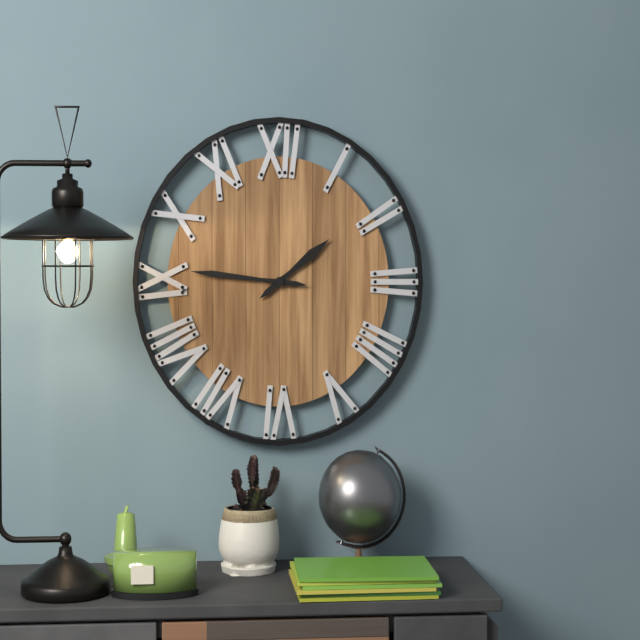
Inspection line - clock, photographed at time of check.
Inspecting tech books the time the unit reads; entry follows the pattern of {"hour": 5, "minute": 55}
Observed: {"hour": 1, "minute": 46}
